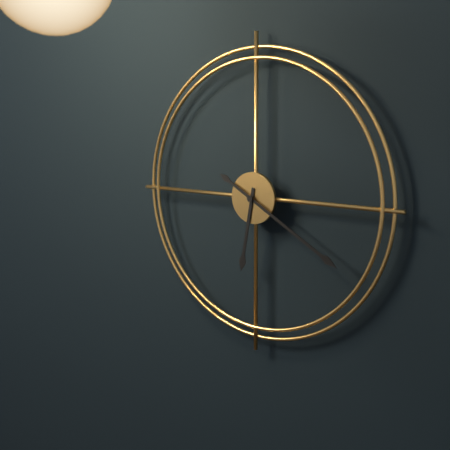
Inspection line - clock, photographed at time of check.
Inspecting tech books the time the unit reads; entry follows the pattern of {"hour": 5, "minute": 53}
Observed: {"hour": 6, "minute": 20}
